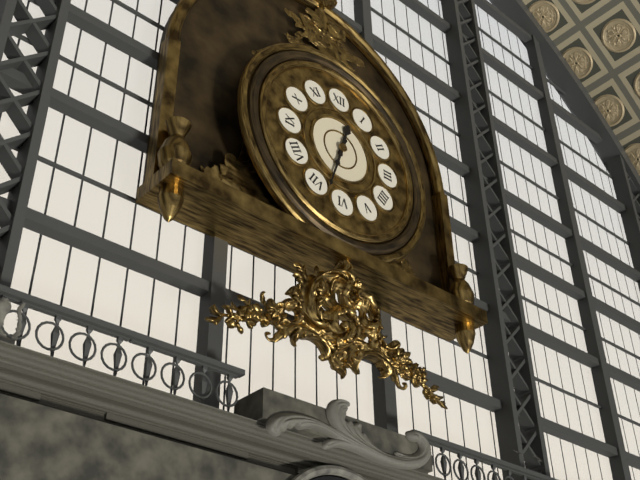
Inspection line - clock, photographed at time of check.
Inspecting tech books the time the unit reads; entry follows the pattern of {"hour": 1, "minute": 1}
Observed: {"hour": 12, "minute": 33}
